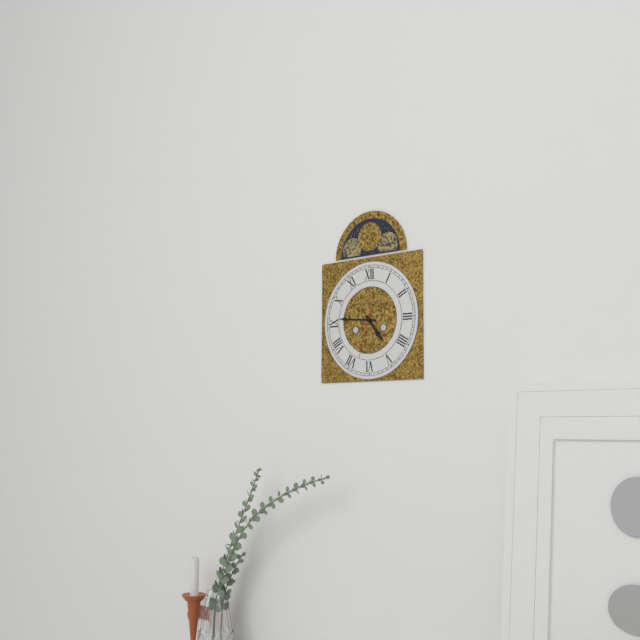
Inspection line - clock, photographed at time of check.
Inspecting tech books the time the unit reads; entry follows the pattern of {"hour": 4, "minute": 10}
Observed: {"hour": 4, "minute": 46}
